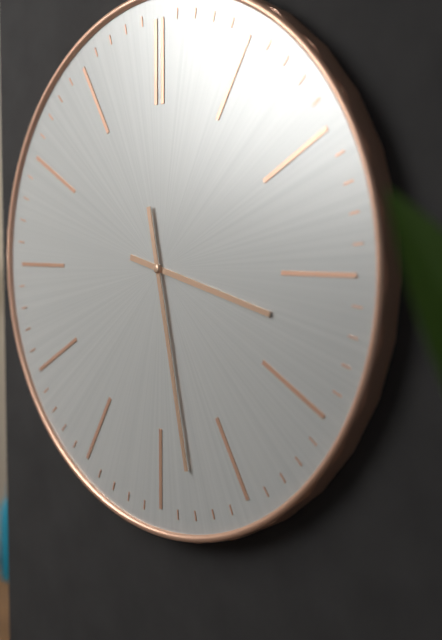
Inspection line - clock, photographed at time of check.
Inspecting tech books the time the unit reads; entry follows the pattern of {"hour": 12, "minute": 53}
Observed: {"hour": 3, "minute": 28}
